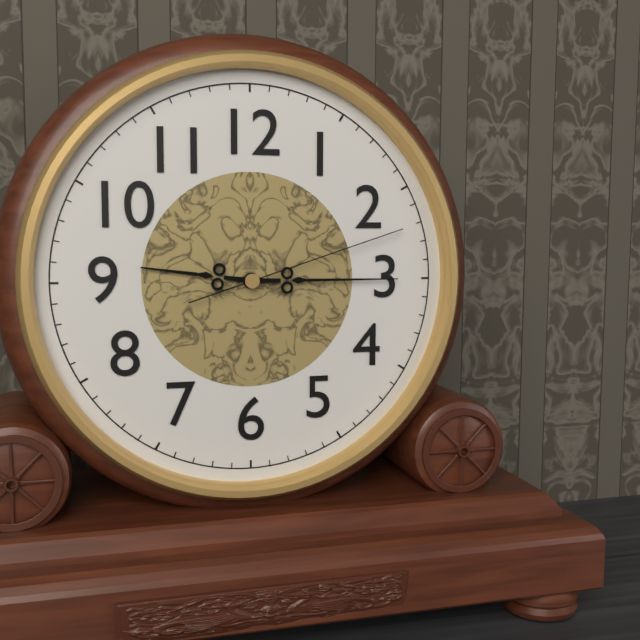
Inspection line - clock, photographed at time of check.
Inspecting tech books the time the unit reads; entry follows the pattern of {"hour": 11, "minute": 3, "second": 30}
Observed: {"hour": 9, "minute": 15, "second": 12}
